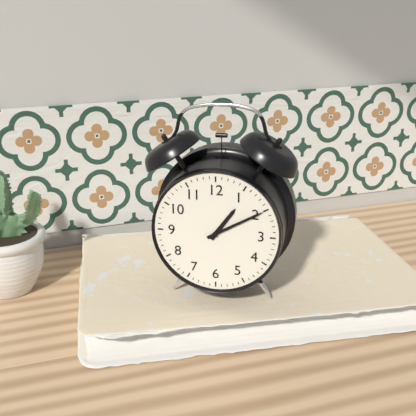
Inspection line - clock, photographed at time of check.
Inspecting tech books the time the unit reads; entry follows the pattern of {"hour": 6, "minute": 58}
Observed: {"hour": 1, "minute": 10}
